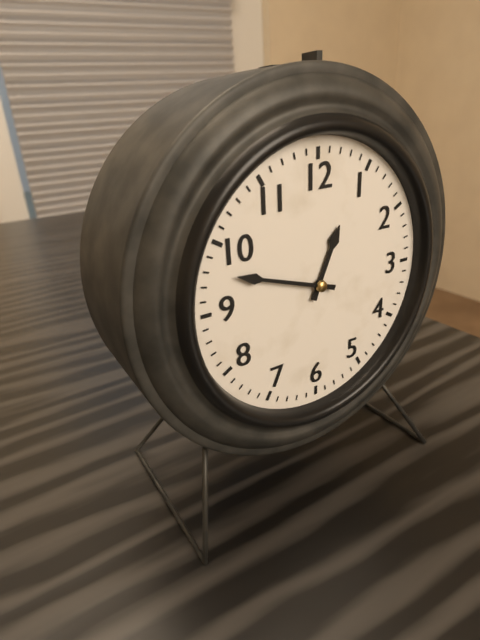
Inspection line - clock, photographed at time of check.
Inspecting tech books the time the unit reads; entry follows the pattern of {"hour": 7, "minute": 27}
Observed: {"hour": 12, "minute": 48}
